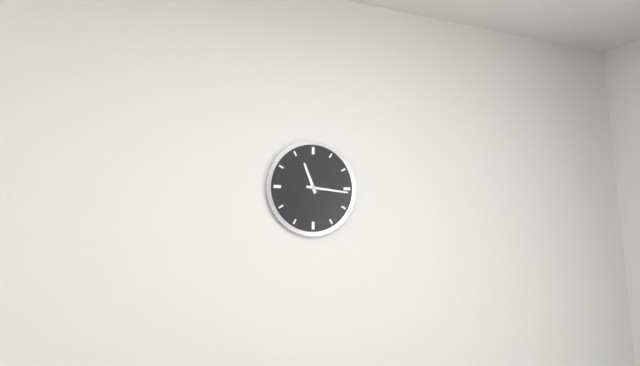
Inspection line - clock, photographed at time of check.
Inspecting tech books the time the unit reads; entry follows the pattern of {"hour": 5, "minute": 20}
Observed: {"hour": 11, "minute": 16}
